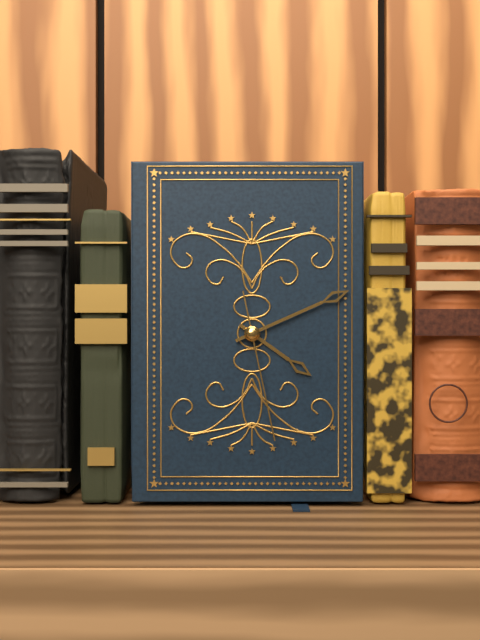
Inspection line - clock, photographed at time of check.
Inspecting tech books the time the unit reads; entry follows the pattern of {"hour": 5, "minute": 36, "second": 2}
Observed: {"hour": 4, "minute": 11, "second": 28}
